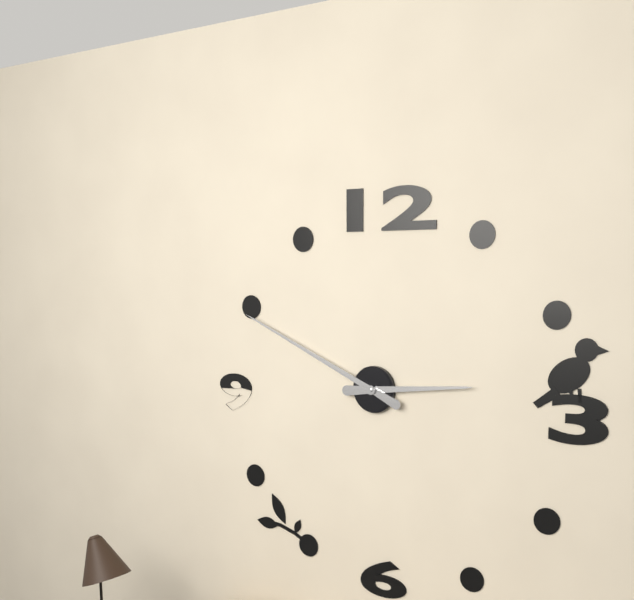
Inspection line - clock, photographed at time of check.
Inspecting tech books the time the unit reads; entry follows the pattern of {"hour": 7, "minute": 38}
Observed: {"hour": 2, "minute": 49}
